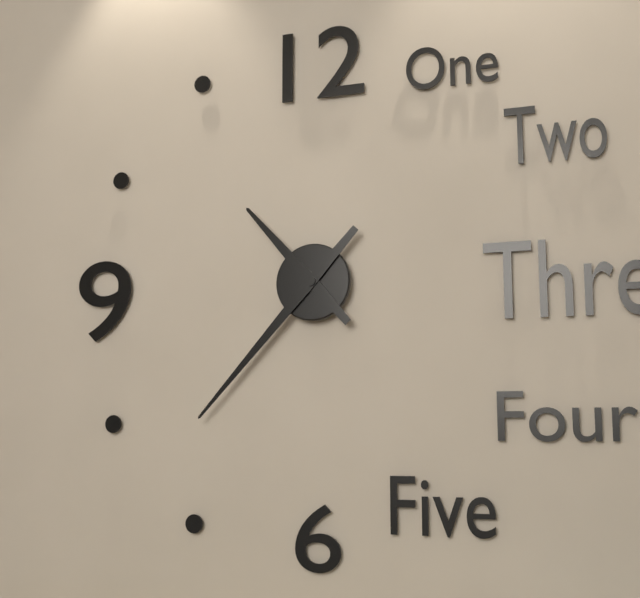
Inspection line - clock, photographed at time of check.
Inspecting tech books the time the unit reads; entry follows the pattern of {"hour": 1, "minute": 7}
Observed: {"hour": 10, "minute": 37}
